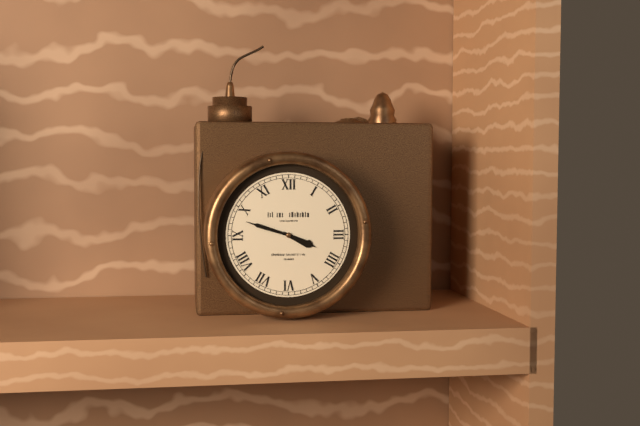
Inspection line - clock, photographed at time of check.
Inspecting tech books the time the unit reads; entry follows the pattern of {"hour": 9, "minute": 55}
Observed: {"hour": 3, "minute": 48}
